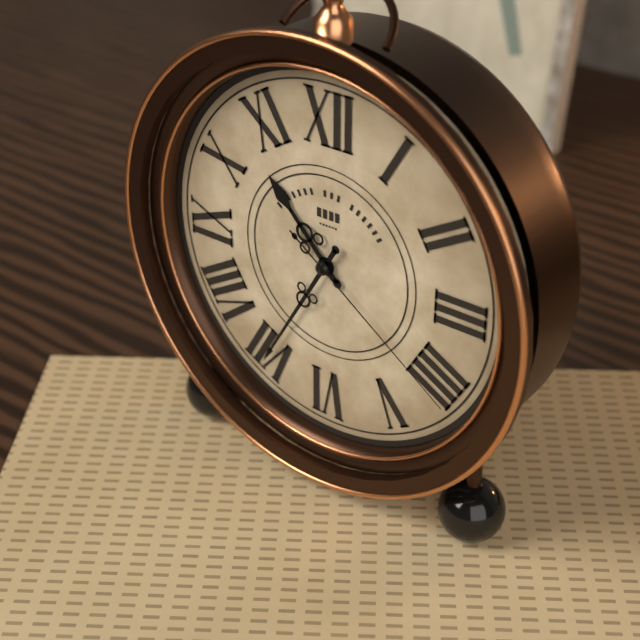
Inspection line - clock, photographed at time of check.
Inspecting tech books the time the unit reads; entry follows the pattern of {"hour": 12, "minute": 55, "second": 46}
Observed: {"hour": 10, "minute": 35, "second": 21}
